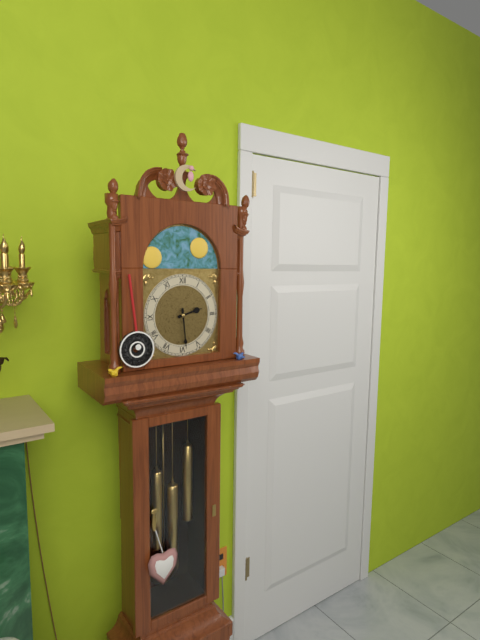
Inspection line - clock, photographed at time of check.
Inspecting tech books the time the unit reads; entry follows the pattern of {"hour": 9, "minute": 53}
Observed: {"hour": 2, "minute": 29}
